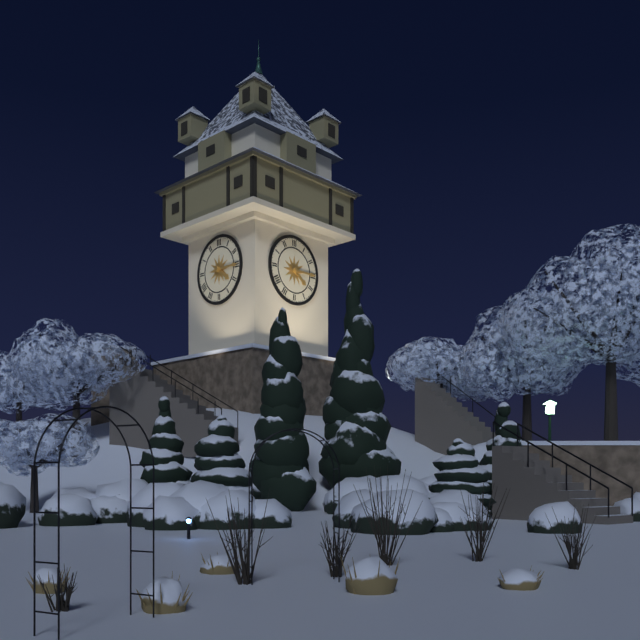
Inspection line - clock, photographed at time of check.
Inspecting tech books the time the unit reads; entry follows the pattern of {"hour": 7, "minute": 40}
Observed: {"hour": 4, "minute": 15}
